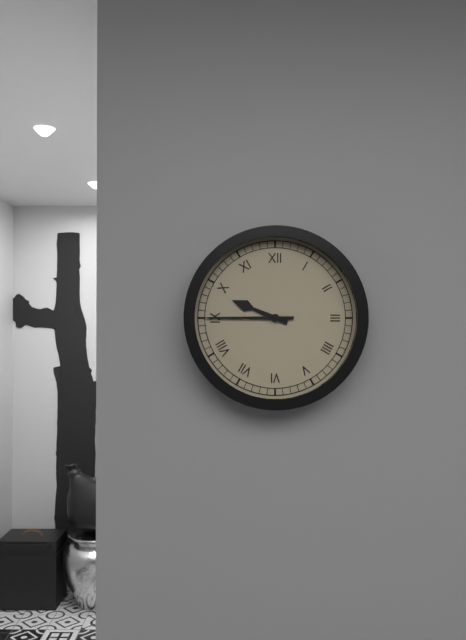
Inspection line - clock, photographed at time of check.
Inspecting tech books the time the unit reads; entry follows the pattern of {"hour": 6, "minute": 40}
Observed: {"hour": 9, "minute": 45}
